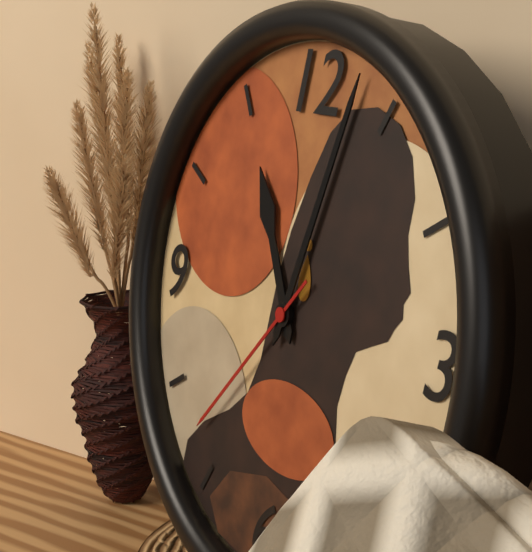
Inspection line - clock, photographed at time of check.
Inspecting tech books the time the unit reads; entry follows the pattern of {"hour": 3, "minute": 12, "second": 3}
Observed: {"hour": 11, "minute": 3, "second": 37}
